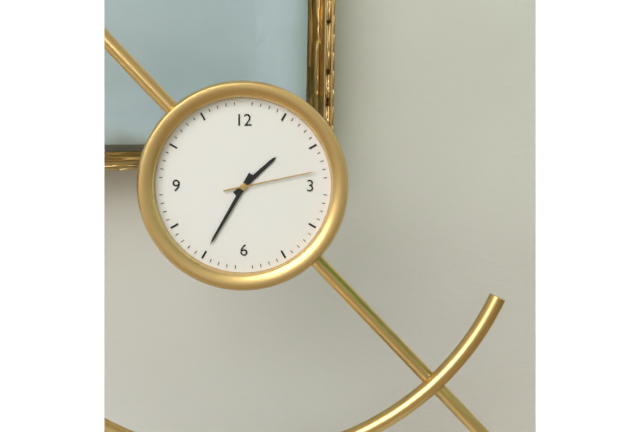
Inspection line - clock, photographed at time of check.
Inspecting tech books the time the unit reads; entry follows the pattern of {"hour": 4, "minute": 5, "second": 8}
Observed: {"hour": 1, "minute": 35, "second": 13}
